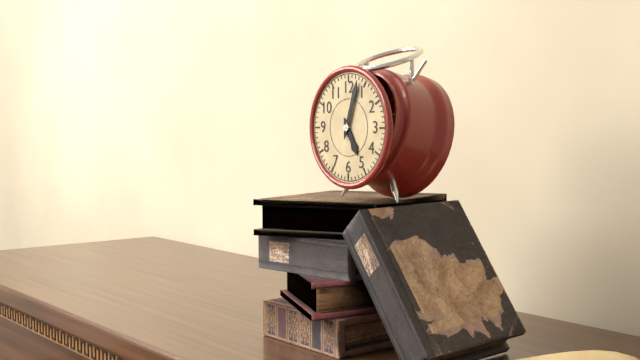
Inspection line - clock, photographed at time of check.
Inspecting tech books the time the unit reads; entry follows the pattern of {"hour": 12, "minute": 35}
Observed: {"hour": 5, "minute": 3}
